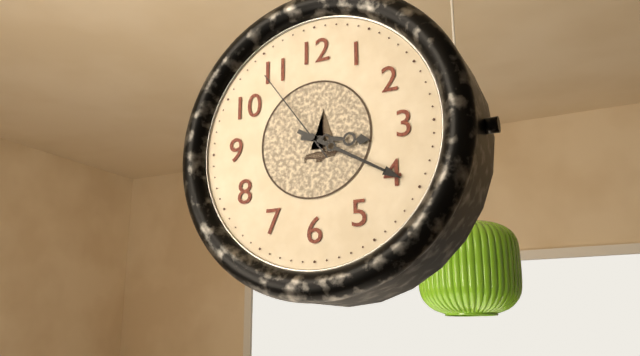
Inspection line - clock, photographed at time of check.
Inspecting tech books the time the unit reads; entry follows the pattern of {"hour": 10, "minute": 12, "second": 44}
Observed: {"hour": 3, "minute": 20, "second": 54}
